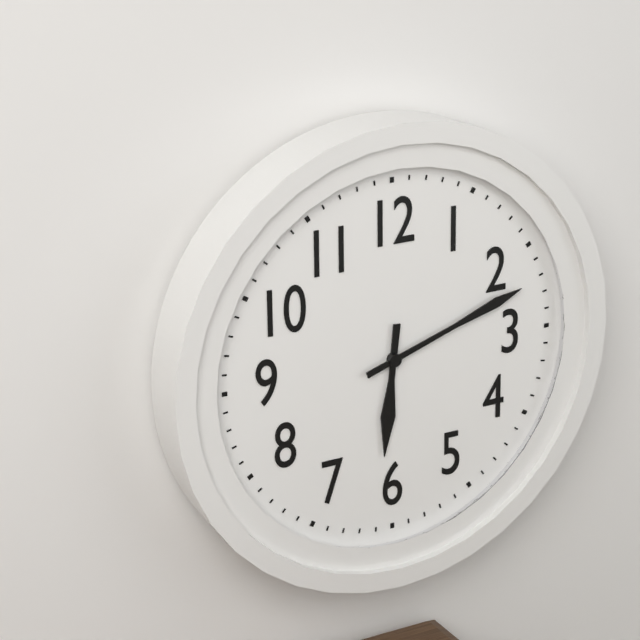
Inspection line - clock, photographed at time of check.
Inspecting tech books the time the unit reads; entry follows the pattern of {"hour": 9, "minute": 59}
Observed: {"hour": 6, "minute": 12}
